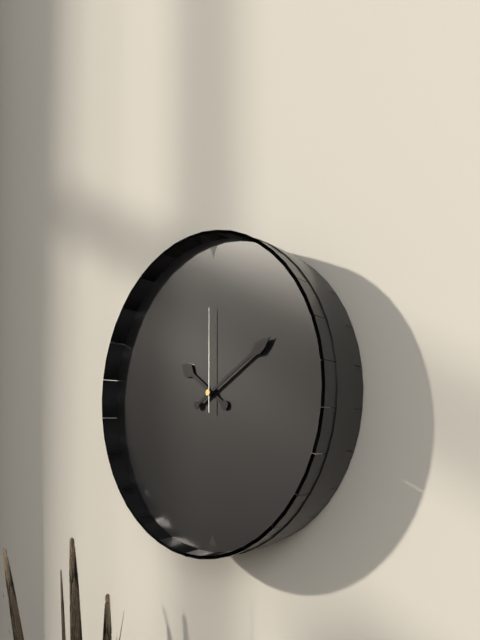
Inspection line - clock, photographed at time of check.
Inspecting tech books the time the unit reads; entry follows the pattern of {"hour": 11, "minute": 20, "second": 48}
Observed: {"hour": 10, "minute": 10, "second": 0}
